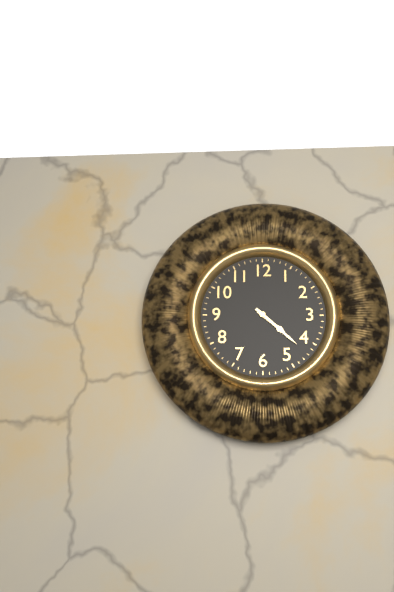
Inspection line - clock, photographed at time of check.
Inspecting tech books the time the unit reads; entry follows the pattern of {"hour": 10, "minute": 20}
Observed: {"hour": 4, "minute": 22}
